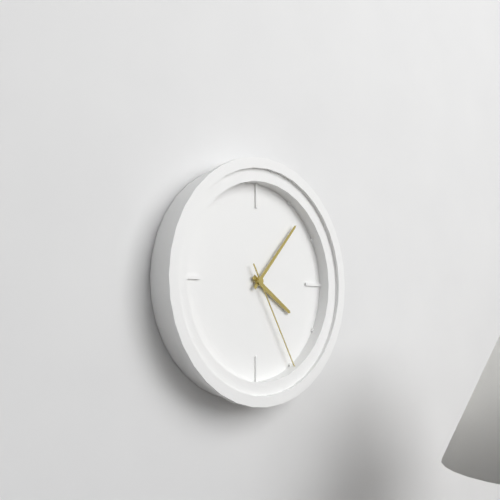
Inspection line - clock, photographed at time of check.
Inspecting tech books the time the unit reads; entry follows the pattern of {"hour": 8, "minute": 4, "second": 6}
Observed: {"hour": 4, "minute": 7, "second": 25}
